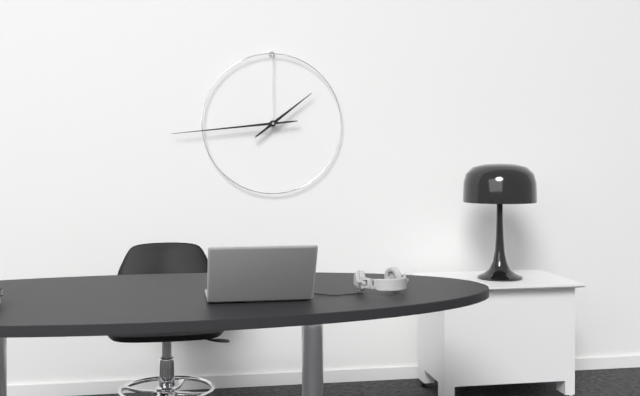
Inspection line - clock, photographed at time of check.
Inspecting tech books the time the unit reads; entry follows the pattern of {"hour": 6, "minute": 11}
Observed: {"hour": 1, "minute": 44}
